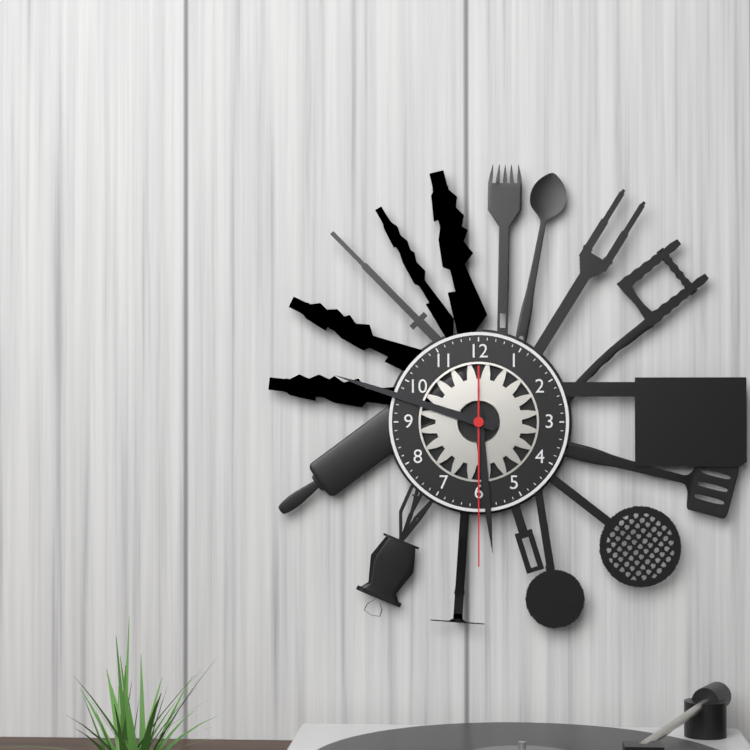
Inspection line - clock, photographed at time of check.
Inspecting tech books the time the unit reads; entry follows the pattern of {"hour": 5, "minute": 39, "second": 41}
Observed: {"hour": 5, "minute": 48, "second": 30}
